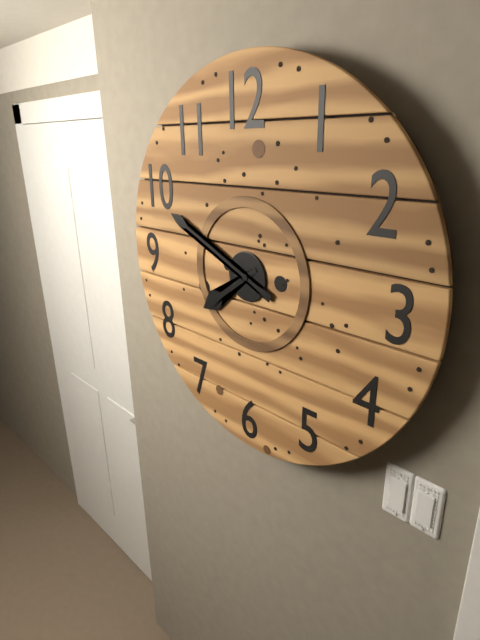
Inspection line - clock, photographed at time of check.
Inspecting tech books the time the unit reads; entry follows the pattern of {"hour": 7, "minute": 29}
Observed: {"hour": 7, "minute": 49}
